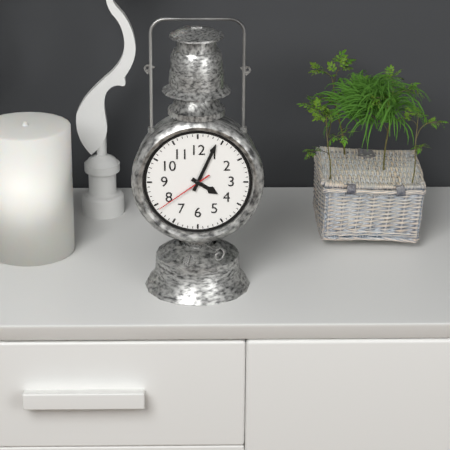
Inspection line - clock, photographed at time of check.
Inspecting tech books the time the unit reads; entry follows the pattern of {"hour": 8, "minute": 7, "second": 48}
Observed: {"hour": 4, "minute": 4, "second": 39}
